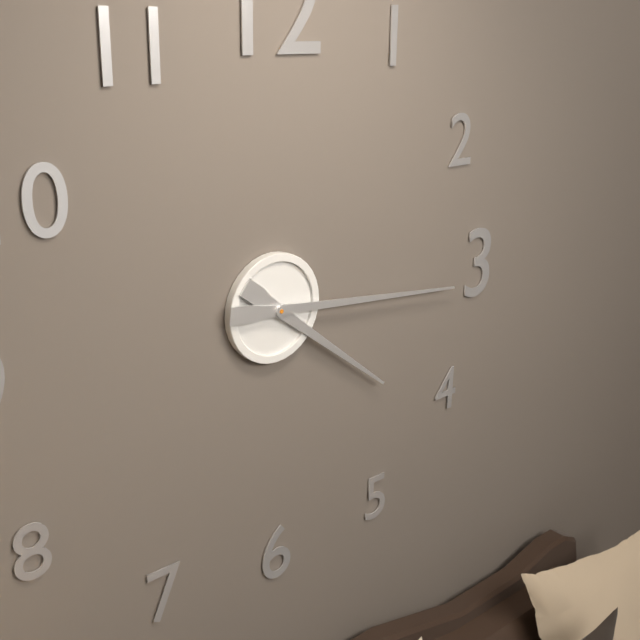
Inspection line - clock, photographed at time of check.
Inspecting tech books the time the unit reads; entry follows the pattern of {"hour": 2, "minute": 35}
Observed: {"hour": 4, "minute": 16}
